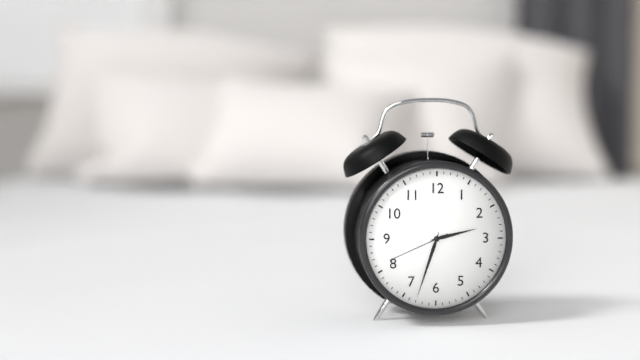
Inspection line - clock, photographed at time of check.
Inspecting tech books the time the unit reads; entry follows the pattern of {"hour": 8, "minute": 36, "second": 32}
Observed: {"hour": 2, "minute": 33, "second": 41}
